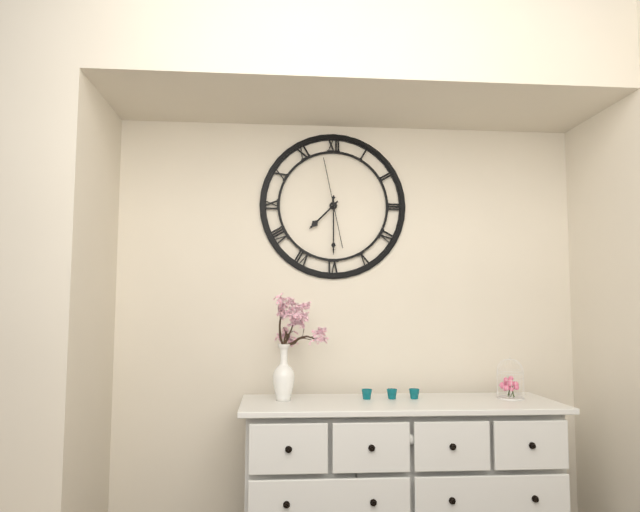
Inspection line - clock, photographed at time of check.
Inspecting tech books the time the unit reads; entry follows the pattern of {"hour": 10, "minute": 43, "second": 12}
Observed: {"hour": 7, "minute": 30, "second": 58}
